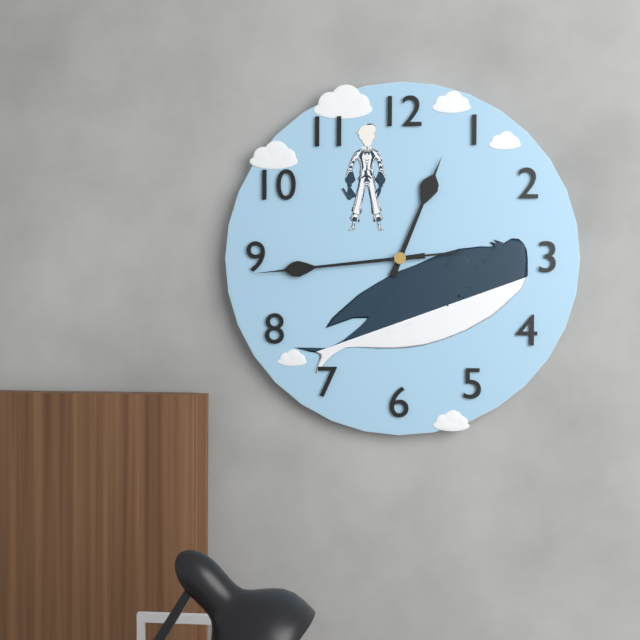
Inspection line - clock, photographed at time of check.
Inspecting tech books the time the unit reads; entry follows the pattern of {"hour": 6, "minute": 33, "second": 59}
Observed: {"hour": 12, "minute": 44, "second": 14}
